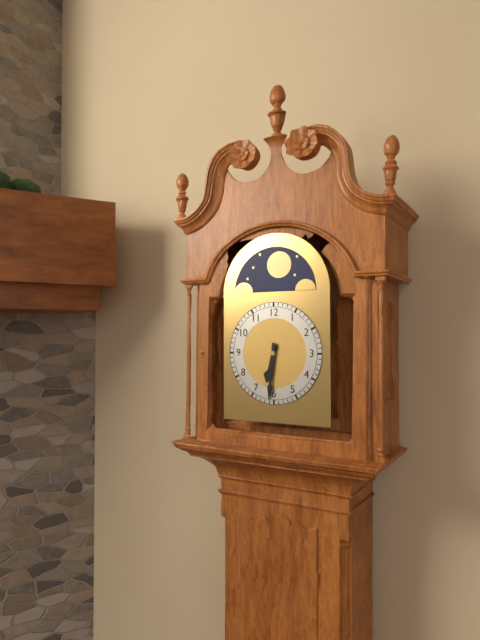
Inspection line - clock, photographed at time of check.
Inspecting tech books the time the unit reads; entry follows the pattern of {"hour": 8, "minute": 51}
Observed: {"hour": 6, "minute": 31}
